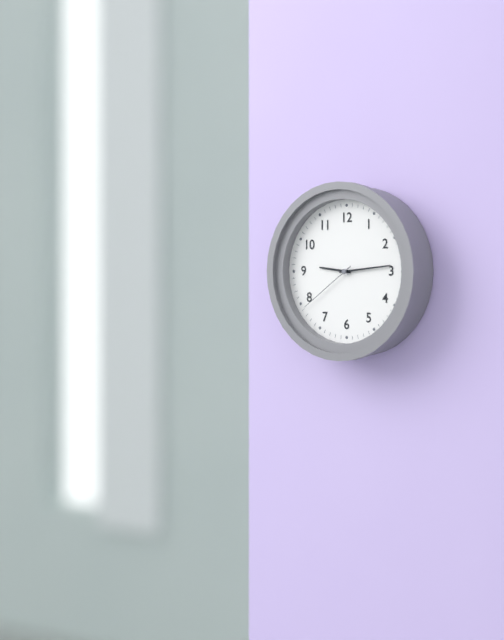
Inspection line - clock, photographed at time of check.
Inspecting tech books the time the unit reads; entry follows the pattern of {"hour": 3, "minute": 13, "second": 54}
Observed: {"hour": 9, "minute": 14, "second": 39}
